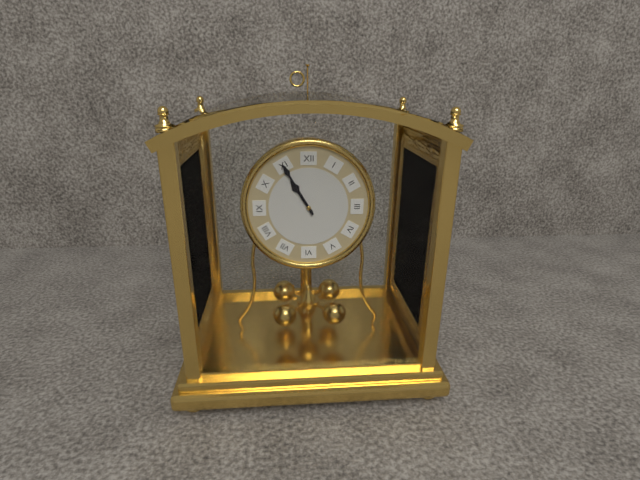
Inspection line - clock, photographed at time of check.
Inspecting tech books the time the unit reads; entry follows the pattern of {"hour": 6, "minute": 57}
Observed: {"hour": 10, "minute": 55}
